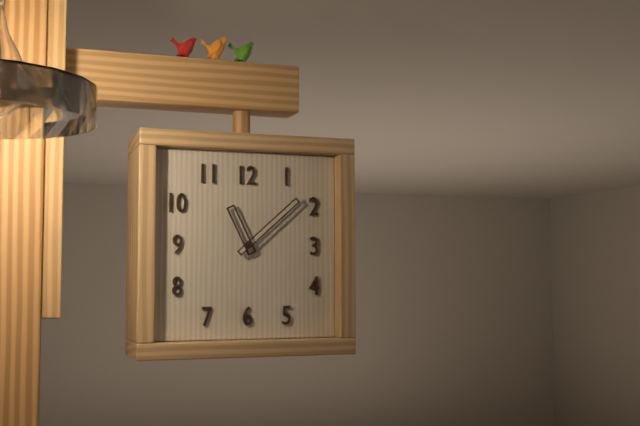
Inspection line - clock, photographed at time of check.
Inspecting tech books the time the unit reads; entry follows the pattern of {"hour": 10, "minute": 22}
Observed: {"hour": 11, "minute": 8}
